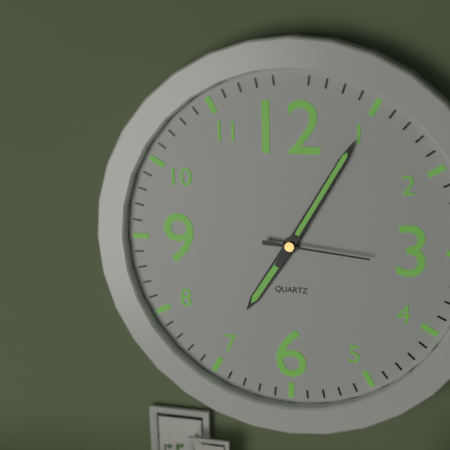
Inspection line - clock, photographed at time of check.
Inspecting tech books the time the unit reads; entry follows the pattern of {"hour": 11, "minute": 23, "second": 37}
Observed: {"hour": 7, "minute": 5, "second": 16}
